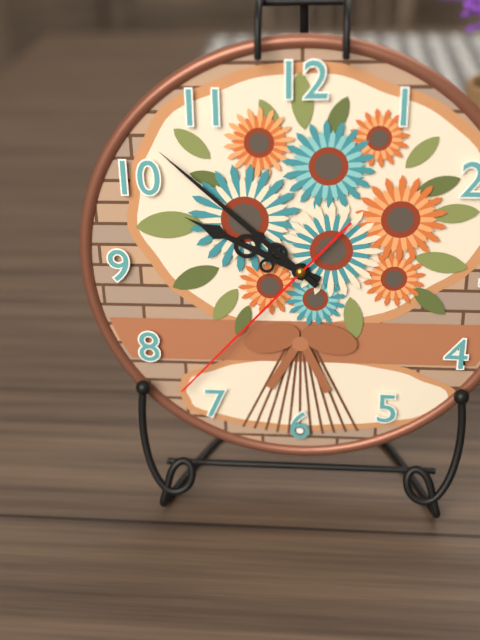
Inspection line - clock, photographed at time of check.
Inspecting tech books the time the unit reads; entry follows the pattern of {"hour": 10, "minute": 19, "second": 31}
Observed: {"hour": 9, "minute": 52, "second": 37}
